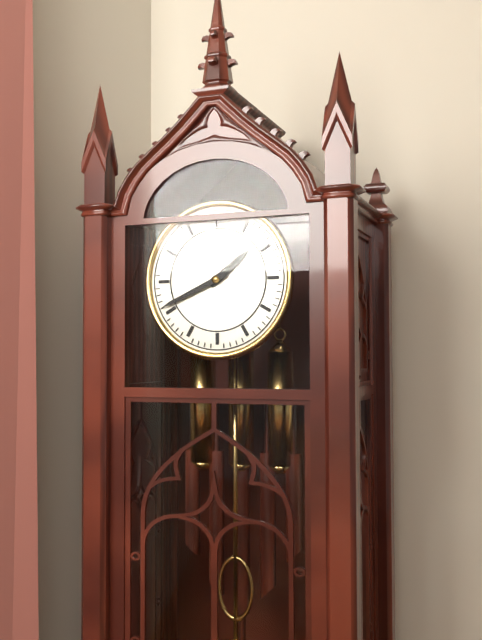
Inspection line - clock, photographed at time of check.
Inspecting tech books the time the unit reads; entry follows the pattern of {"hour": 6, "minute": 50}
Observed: {"hour": 1, "minute": 41}
